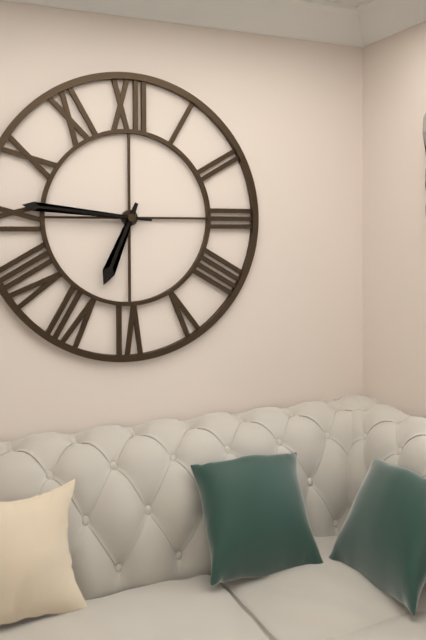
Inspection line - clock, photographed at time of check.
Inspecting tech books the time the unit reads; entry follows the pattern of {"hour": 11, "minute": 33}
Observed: {"hour": 6, "minute": 46}
